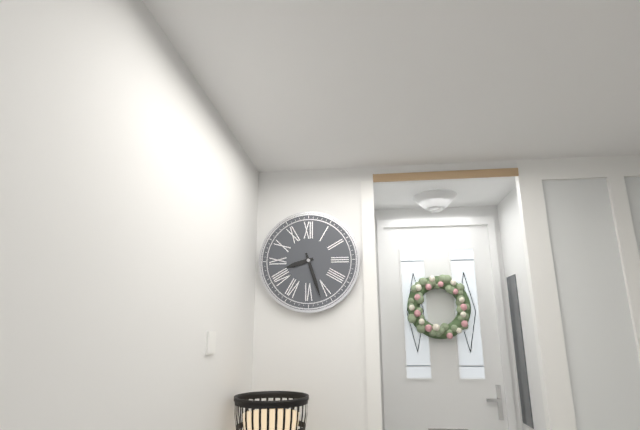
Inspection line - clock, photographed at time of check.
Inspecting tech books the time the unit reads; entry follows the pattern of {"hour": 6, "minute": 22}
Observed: {"hour": 8, "minute": 27}
